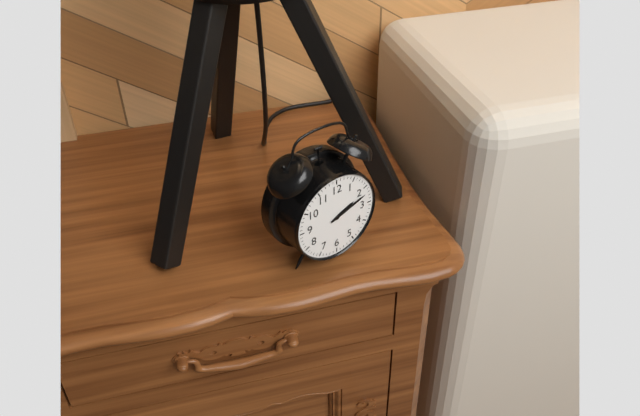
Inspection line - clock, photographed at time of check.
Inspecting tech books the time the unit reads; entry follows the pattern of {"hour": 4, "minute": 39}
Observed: {"hour": 2, "minute": 12}
